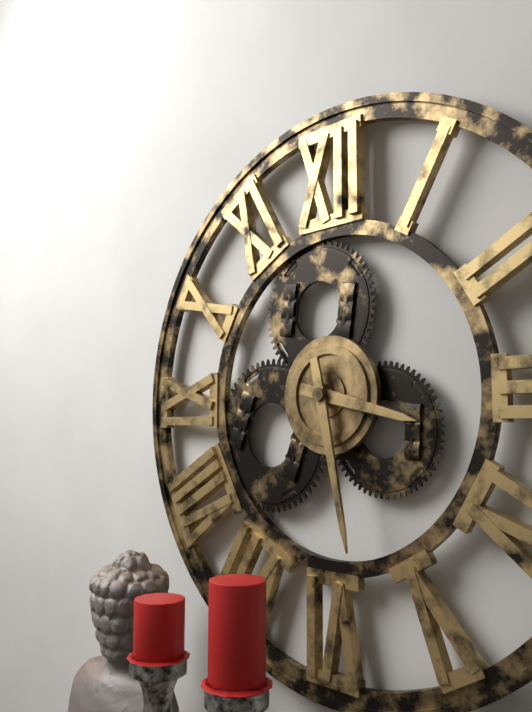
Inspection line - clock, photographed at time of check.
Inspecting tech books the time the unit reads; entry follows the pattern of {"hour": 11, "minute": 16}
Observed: {"hour": 3, "minute": 28}
